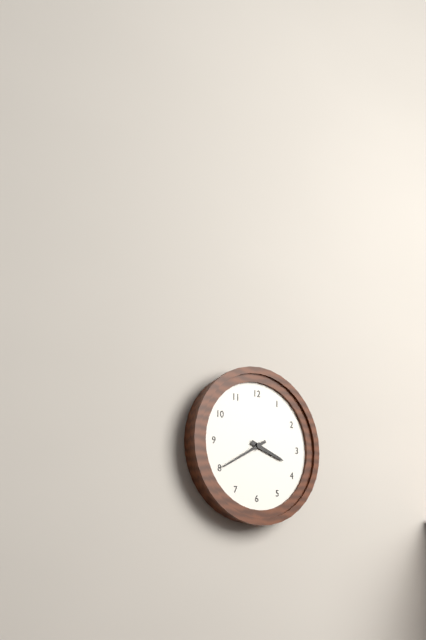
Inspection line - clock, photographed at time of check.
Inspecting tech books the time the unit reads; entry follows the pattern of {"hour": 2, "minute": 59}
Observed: {"hour": 3, "minute": 40}
